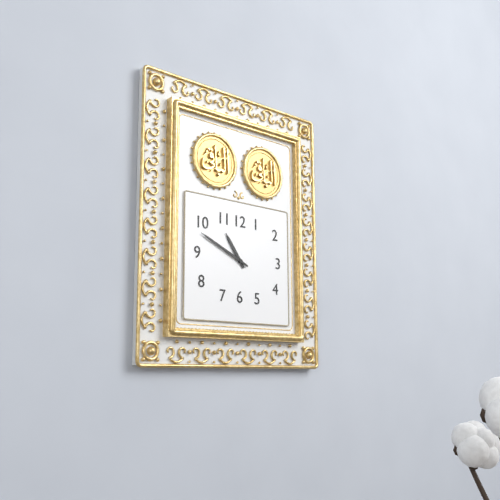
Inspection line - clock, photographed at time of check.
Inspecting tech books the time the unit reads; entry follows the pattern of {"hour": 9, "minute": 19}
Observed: {"hour": 10, "minute": 49}
